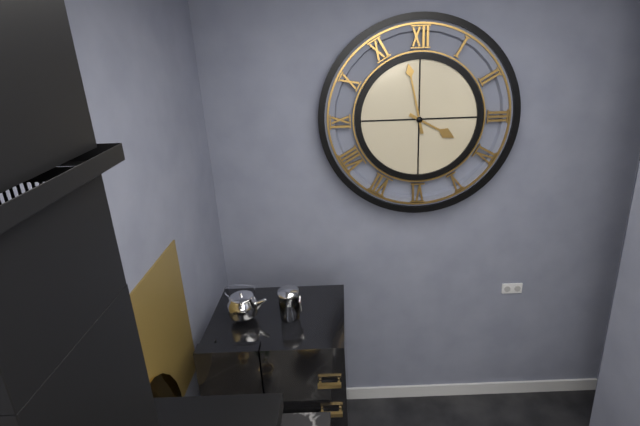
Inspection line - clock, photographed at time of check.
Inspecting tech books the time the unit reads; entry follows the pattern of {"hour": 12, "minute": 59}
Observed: {"hour": 3, "minute": 58}
